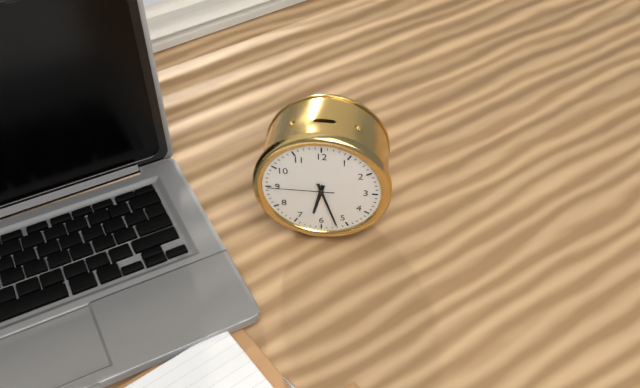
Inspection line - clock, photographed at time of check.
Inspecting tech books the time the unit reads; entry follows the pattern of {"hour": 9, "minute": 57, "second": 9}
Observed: {"hour": 6, "minute": 27, "second": 45}
